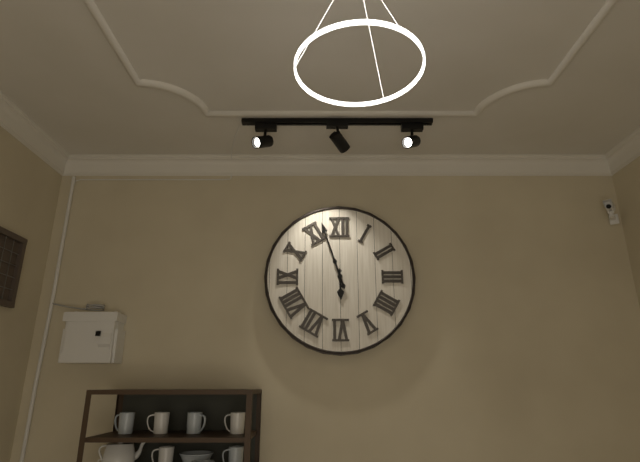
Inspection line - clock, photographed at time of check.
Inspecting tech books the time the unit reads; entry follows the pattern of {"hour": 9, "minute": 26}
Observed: {"hour": 5, "minute": 57}
